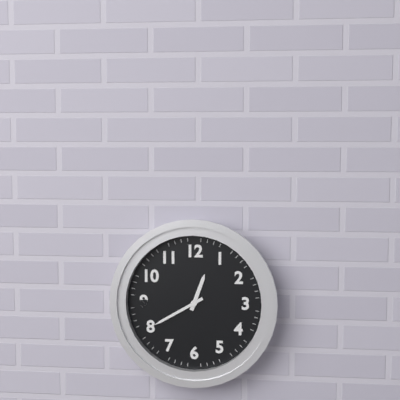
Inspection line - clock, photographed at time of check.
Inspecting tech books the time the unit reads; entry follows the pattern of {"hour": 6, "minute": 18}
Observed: {"hour": 12, "minute": 40}
